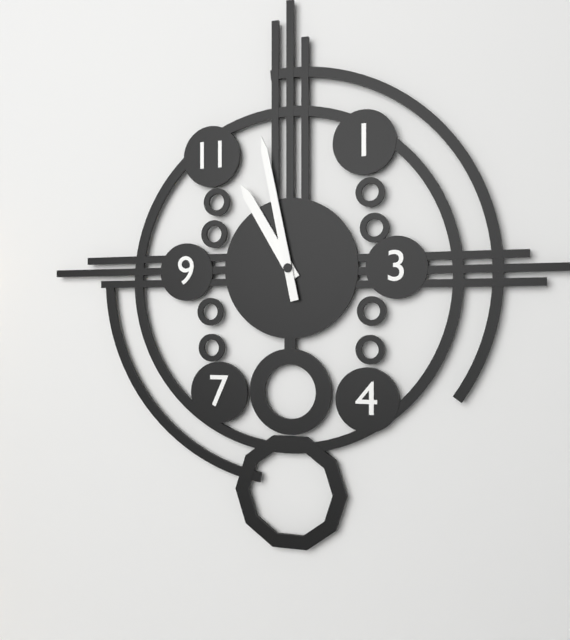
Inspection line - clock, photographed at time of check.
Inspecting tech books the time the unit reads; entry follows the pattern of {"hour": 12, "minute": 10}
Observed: {"hour": 10, "minute": 58}
